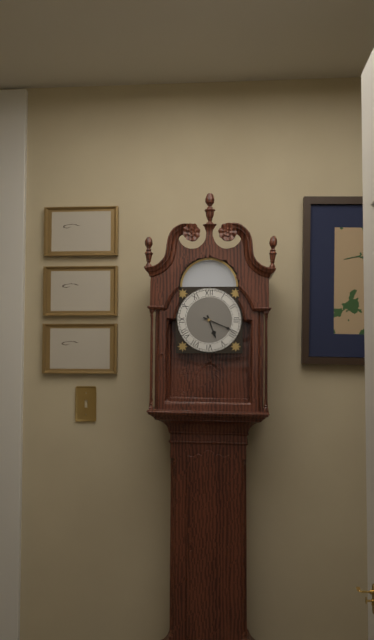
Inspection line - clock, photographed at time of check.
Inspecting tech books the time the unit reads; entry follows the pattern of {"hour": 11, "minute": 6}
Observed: {"hour": 5, "minute": 19}
